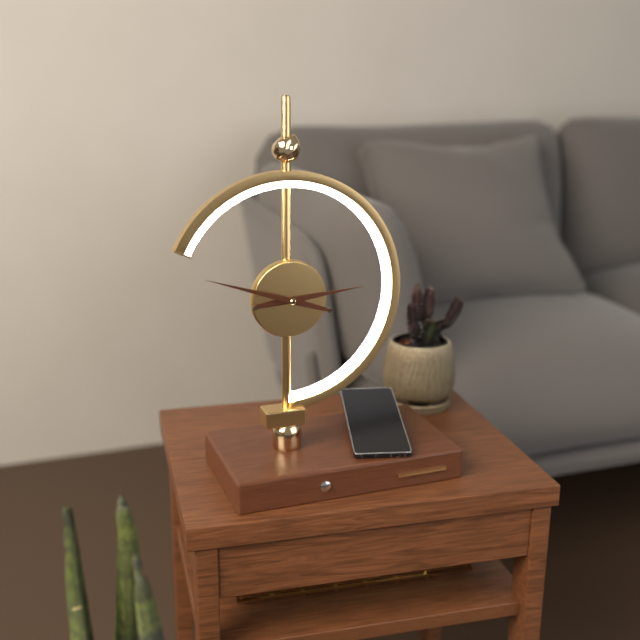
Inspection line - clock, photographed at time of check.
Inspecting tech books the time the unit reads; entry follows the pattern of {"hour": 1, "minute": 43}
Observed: {"hour": 2, "minute": 48}
